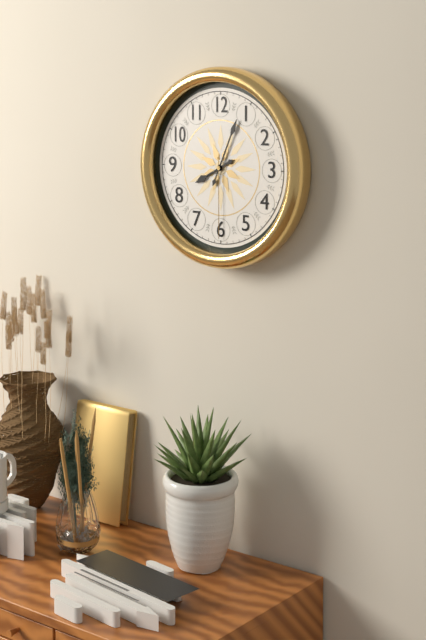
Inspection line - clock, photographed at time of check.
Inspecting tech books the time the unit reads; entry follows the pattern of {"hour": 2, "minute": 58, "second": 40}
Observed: {"hour": 8, "minute": 4, "second": 30}
